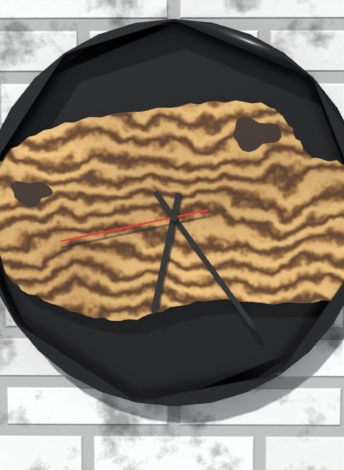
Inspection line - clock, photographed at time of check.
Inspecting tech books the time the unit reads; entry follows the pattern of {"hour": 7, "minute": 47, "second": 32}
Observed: {"hour": 6, "minute": 24, "second": 43}
